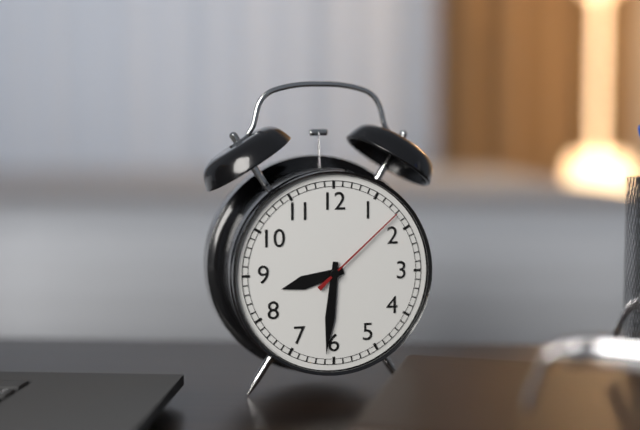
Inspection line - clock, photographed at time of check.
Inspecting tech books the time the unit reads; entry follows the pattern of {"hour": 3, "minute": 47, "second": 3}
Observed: {"hour": 8, "minute": 31, "second": 8}
